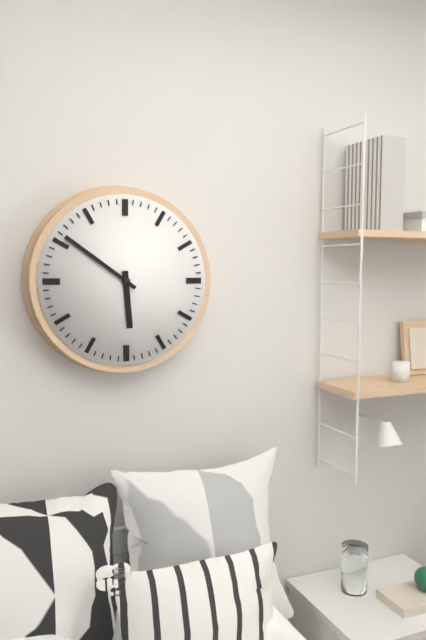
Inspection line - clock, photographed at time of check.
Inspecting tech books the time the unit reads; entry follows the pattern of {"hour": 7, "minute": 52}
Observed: {"hour": 5, "minute": 51}
